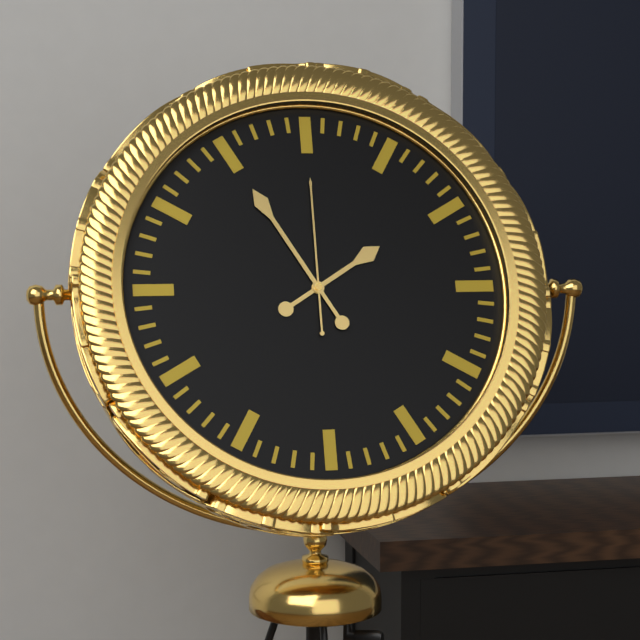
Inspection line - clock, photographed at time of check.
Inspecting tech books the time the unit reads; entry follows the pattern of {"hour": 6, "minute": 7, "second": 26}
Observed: {"hour": 1, "minute": 55, "second": 0}
